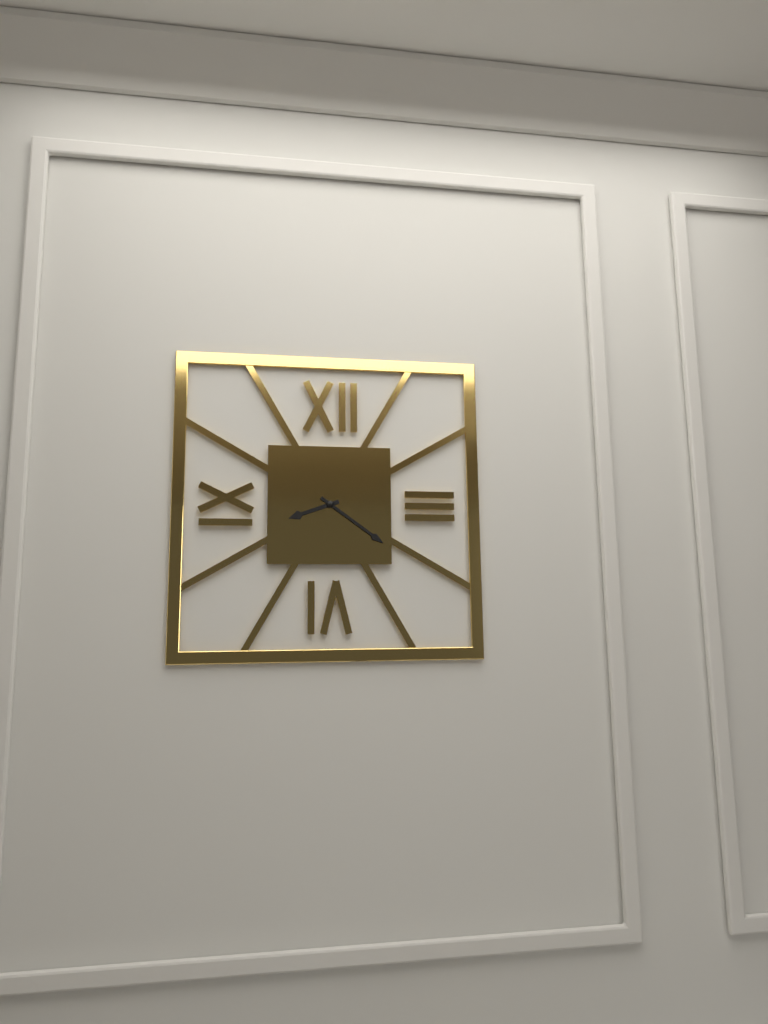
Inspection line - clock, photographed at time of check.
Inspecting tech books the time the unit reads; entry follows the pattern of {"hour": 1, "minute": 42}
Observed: {"hour": 8, "minute": 21}
